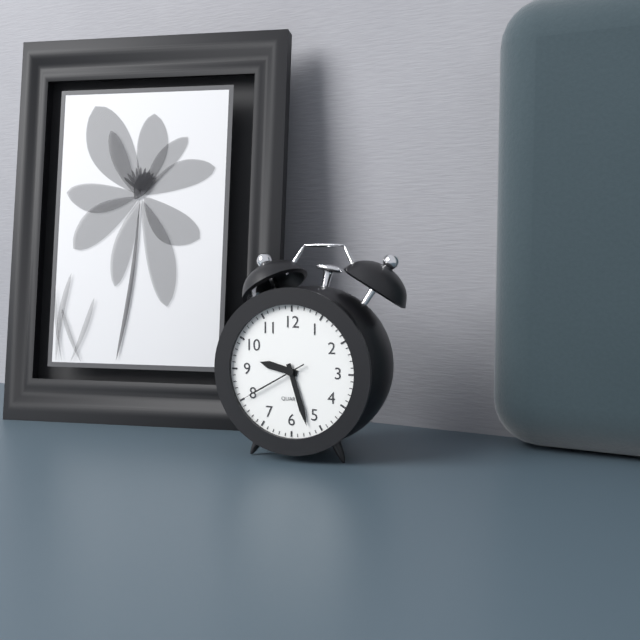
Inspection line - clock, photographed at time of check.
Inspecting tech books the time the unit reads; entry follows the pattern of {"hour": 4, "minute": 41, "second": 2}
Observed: {"hour": 9, "minute": 27, "second": 40}
